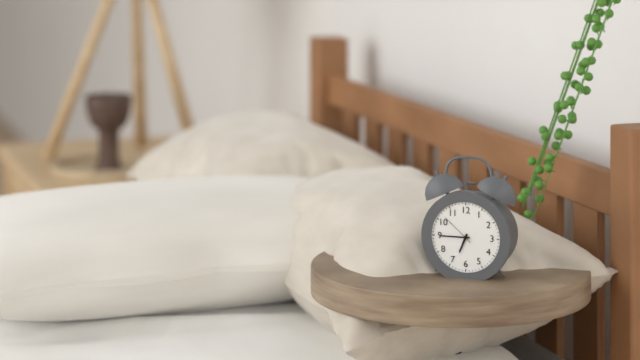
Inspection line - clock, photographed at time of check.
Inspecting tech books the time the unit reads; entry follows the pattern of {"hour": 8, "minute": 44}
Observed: {"hour": 6, "minute": 45}
